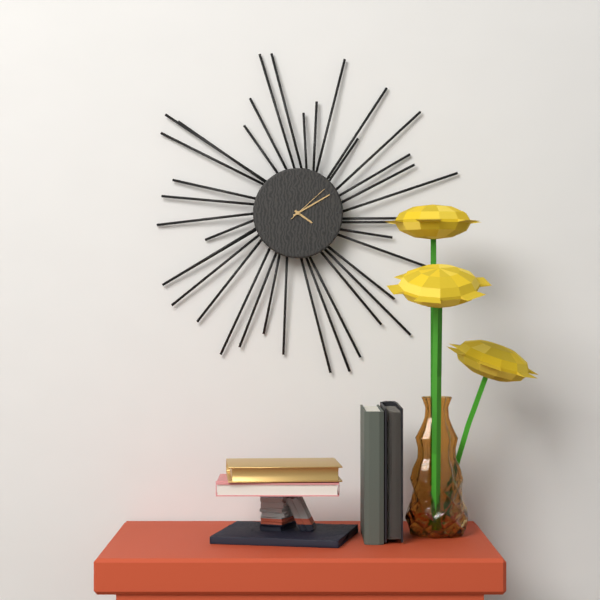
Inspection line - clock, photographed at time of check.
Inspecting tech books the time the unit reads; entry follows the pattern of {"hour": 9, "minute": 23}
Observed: {"hour": 4, "minute": 10}
